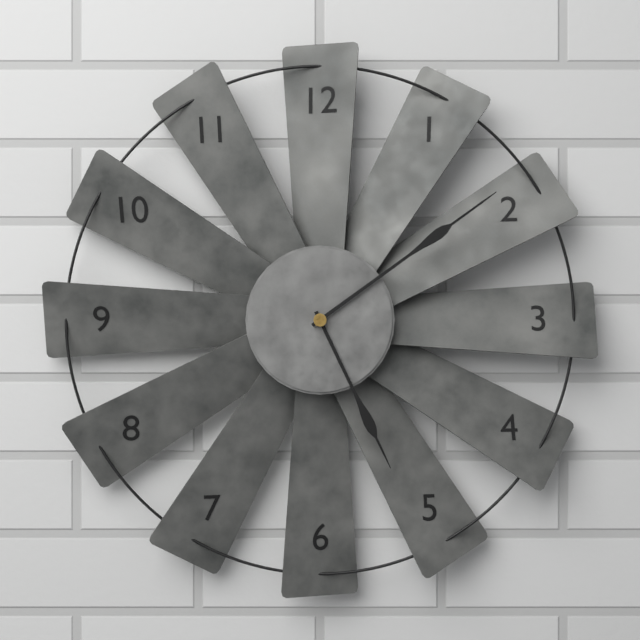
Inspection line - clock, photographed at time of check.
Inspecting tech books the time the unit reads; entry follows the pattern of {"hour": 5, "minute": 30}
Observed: {"hour": 5, "minute": 9}
